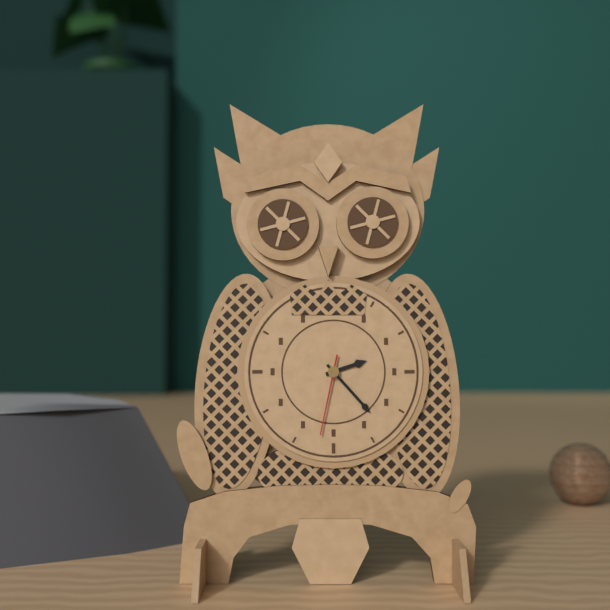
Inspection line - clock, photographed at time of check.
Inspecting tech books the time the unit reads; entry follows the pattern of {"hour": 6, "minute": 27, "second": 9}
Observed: {"hour": 2, "minute": 23, "second": 32}
